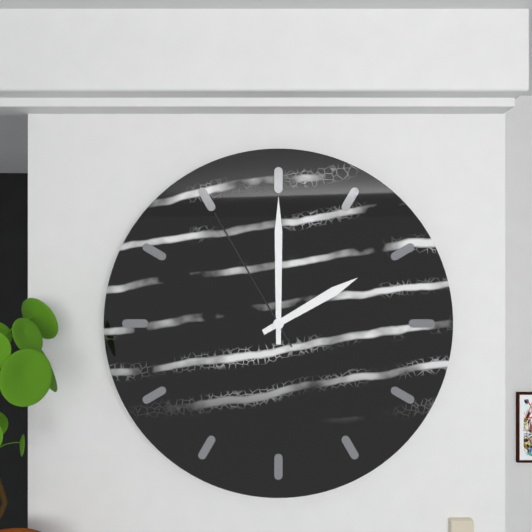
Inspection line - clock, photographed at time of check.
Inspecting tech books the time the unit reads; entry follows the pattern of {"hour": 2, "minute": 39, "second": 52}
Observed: {"hour": 2, "minute": 0, "second": 55}
